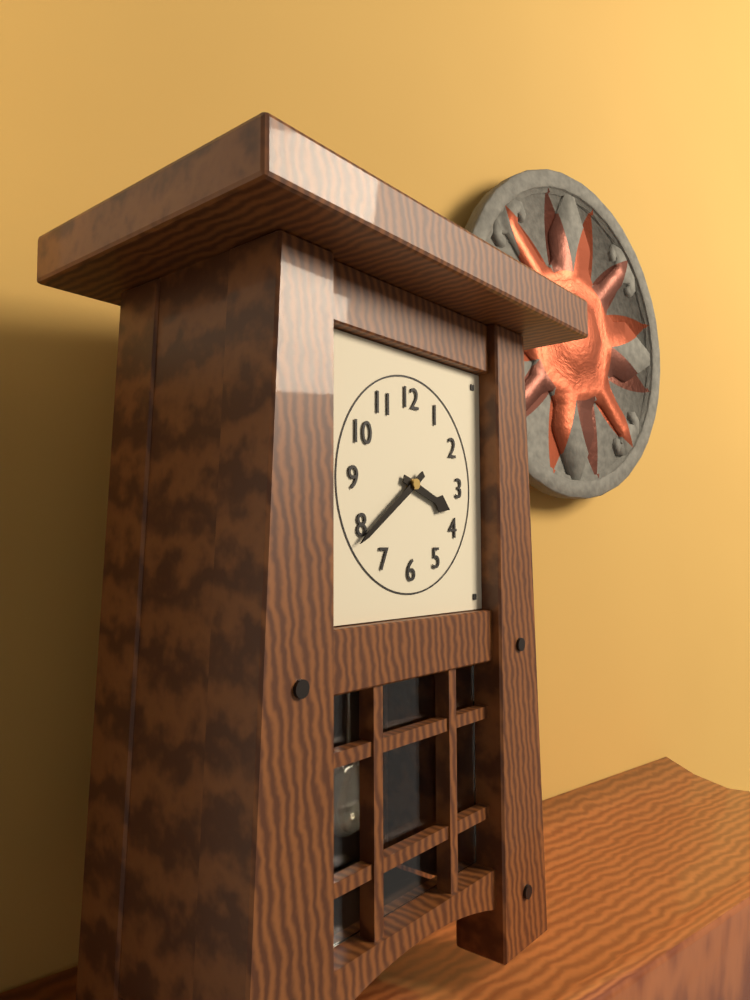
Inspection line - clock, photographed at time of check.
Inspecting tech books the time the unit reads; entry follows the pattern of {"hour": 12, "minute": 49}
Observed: {"hour": 3, "minute": 39}
